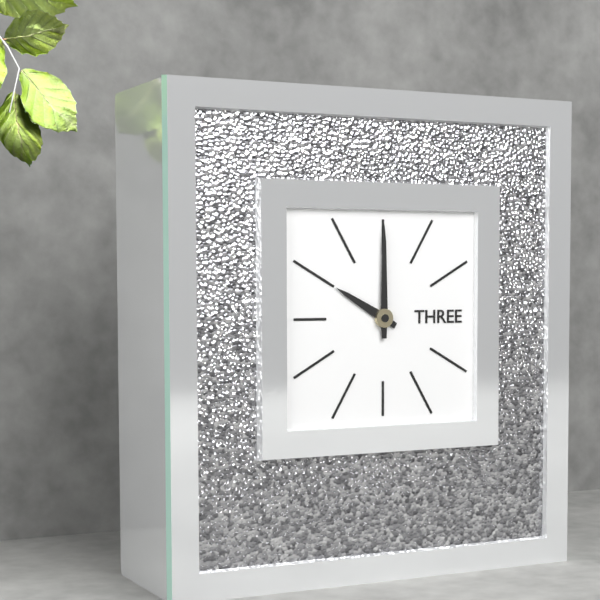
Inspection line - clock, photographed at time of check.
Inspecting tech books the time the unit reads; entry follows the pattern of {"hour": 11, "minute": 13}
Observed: {"hour": 10, "minute": 0}
